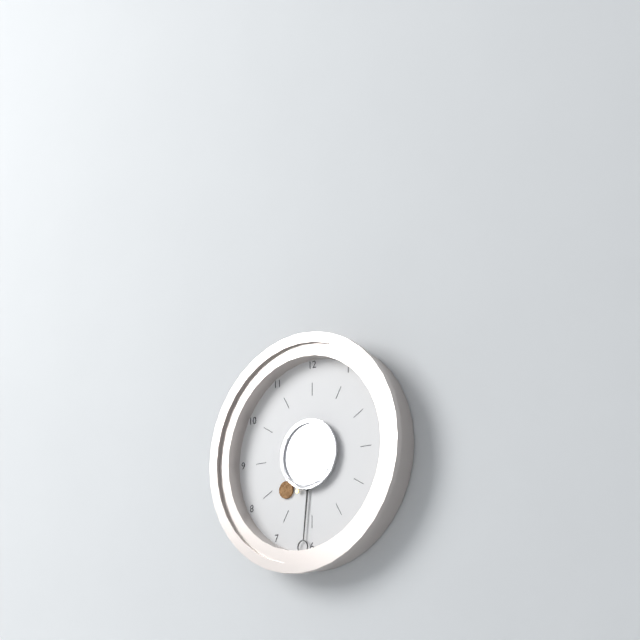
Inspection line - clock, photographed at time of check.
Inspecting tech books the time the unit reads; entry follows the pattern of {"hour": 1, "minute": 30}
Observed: {"hour": 7, "minute": 31}
